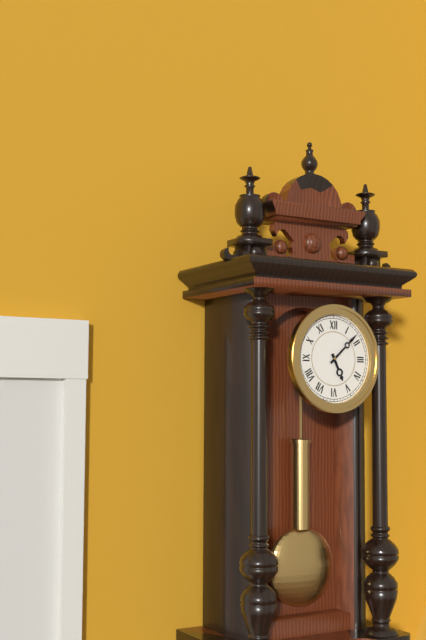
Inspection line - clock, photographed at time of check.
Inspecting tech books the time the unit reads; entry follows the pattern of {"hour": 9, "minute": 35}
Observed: {"hour": 5, "minute": 8}
